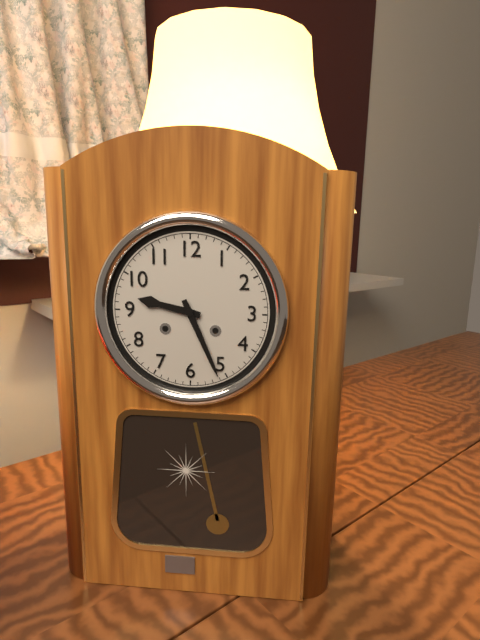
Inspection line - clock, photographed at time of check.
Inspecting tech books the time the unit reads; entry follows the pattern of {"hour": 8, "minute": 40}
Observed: {"hour": 9, "minute": 26}
